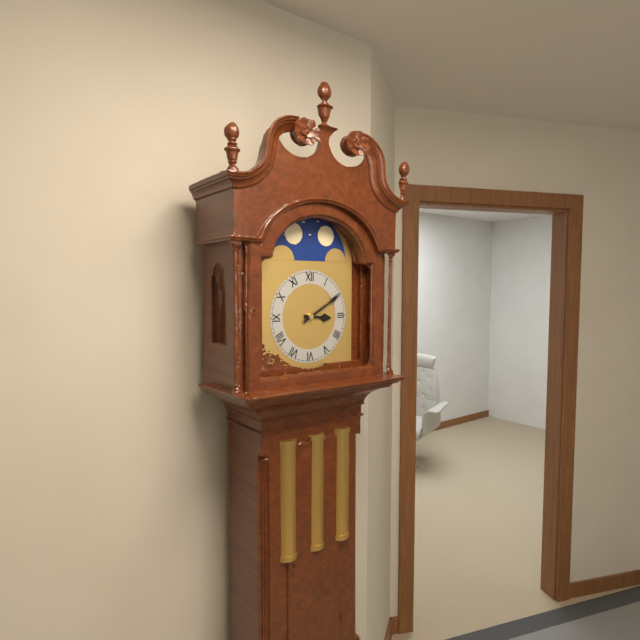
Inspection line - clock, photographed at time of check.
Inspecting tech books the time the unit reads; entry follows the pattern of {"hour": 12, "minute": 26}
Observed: {"hour": 3, "minute": 10}
